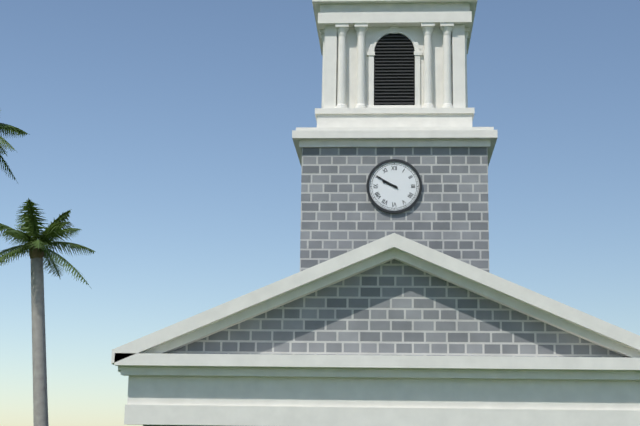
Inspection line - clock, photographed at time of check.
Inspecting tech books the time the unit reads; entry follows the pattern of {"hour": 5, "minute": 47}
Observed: {"hour": 9, "minute": 50}
